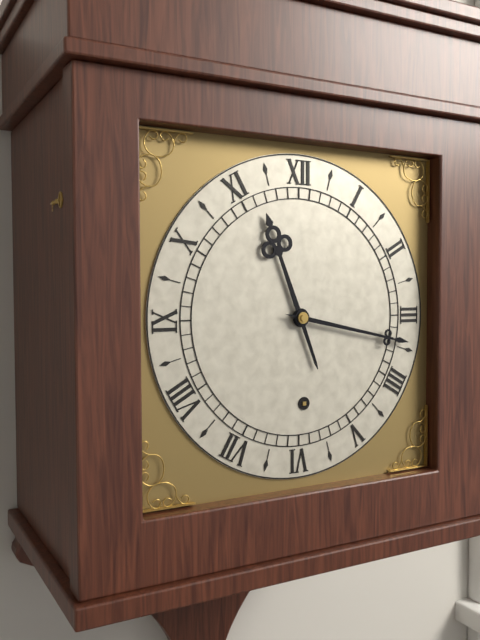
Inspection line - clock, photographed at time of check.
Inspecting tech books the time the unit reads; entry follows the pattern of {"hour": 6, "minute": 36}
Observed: {"hour": 11, "minute": 17}
